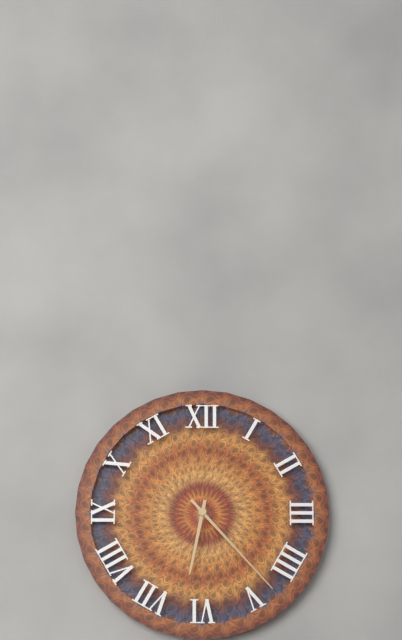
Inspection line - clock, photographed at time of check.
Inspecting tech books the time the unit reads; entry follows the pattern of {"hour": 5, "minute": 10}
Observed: {"hour": 6, "minute": 23}
